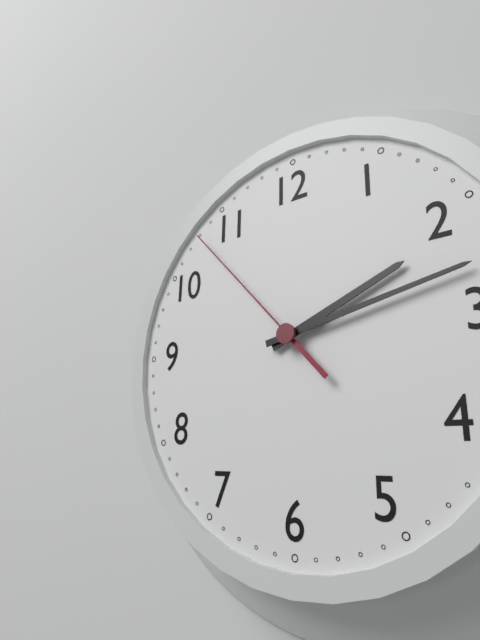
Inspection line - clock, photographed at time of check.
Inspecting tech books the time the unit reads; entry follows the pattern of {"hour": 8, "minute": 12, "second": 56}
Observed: {"hour": 2, "minute": 13, "second": 53}
